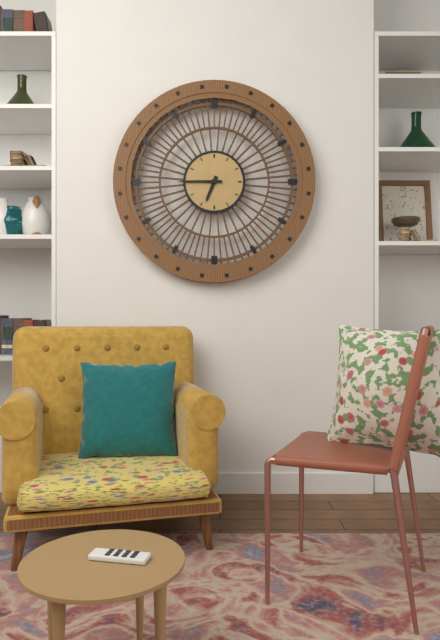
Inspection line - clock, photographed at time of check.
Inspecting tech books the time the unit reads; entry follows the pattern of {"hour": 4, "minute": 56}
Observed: {"hour": 6, "minute": 45}
